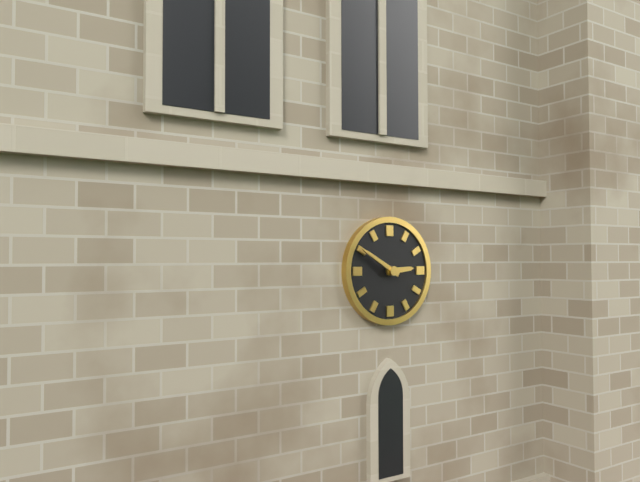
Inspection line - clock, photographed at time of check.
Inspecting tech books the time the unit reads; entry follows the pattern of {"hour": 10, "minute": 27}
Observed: {"hour": 2, "minute": 50}
